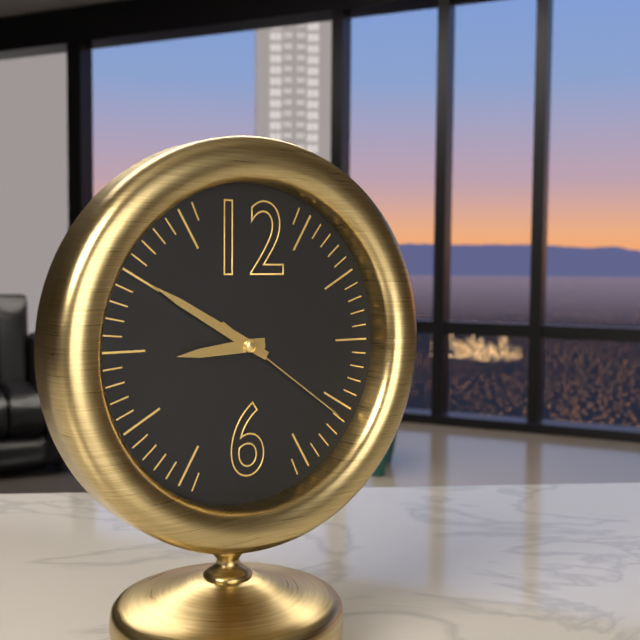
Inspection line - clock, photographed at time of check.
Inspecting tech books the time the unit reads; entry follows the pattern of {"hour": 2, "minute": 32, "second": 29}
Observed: {"hour": 8, "minute": 50, "second": 21}
